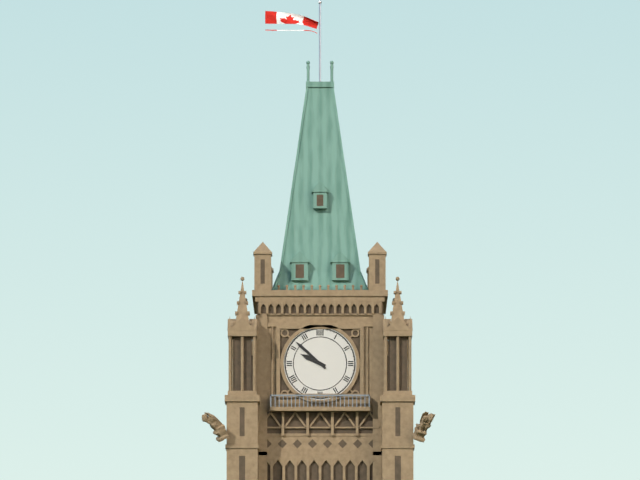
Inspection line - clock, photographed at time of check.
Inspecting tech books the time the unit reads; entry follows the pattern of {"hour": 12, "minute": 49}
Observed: {"hour": 9, "minute": 52}
